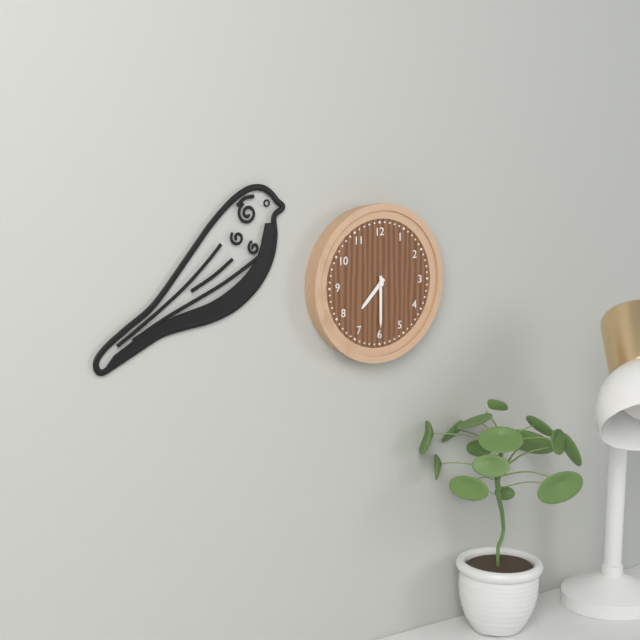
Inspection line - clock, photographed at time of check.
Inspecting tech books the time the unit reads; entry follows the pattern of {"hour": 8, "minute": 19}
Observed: {"hour": 7, "minute": 30}
